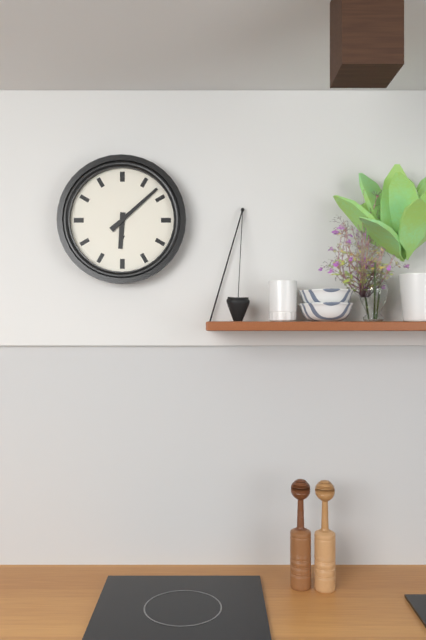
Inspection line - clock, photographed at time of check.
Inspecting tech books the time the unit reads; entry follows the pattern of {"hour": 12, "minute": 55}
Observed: {"hour": 6, "minute": 8}
